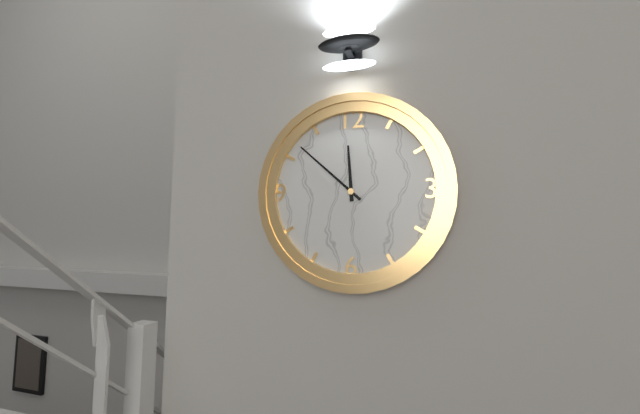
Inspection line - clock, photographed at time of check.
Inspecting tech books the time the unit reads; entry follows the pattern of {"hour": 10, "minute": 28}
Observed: {"hour": 11, "minute": 52}
